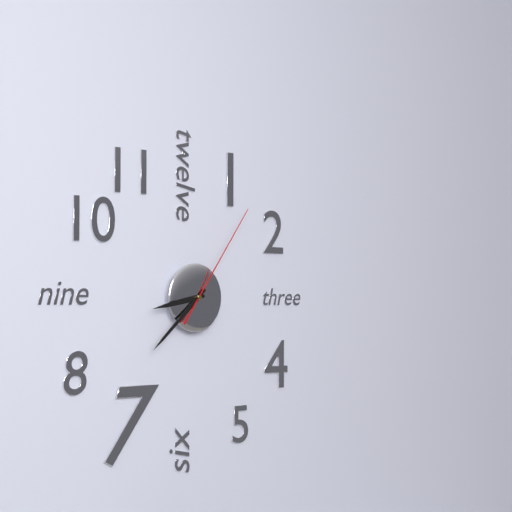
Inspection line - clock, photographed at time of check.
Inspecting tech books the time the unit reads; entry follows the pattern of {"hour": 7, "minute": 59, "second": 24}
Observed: {"hour": 8, "minute": 38, "second": 6}
